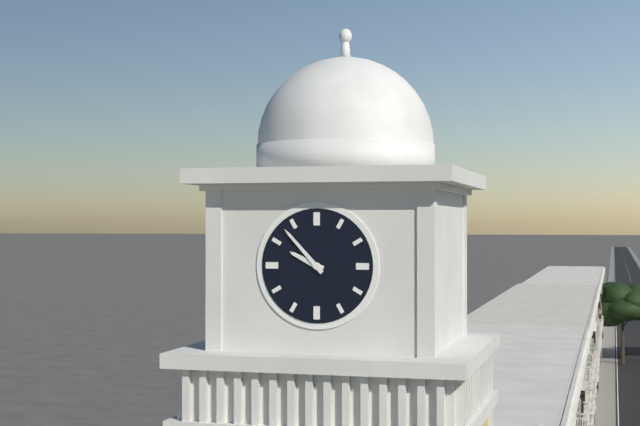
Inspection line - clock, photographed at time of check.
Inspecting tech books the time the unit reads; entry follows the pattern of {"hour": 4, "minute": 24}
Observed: {"hour": 9, "minute": 53}
